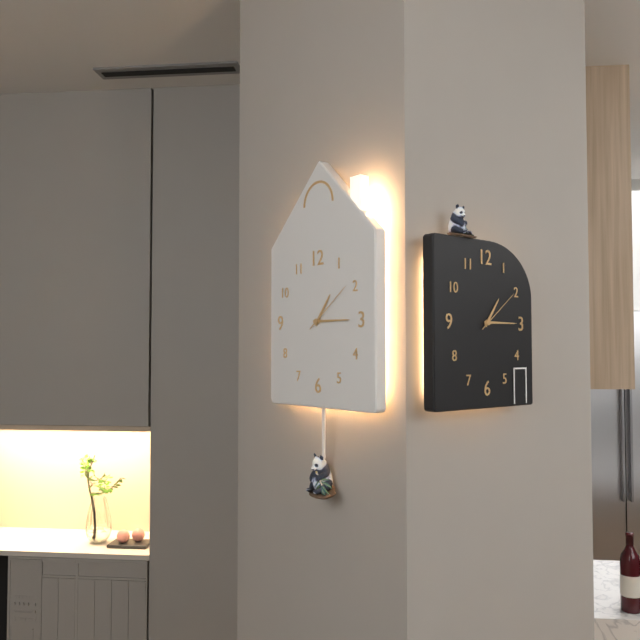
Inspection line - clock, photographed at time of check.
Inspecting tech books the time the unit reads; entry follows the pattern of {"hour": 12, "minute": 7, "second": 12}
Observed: {"hour": 1, "minute": 15, "second": 9}
